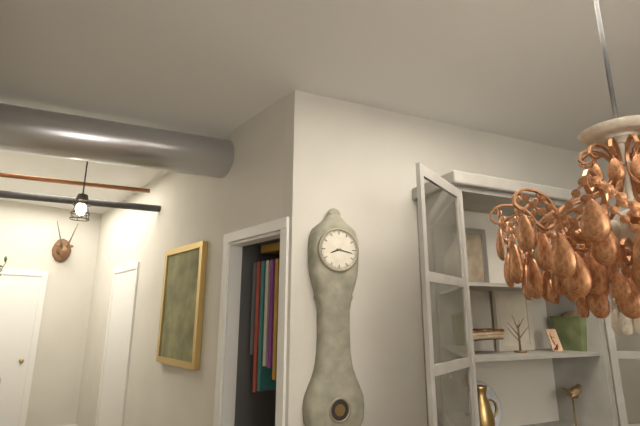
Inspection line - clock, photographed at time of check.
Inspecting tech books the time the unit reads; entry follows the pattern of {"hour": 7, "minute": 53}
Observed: {"hour": 8, "minute": 17}
